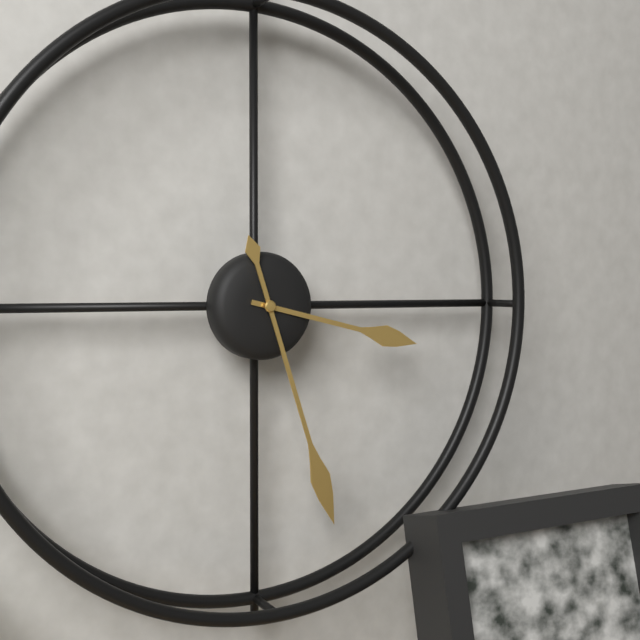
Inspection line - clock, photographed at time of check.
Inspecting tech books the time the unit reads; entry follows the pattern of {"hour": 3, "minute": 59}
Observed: {"hour": 3, "minute": 27}
